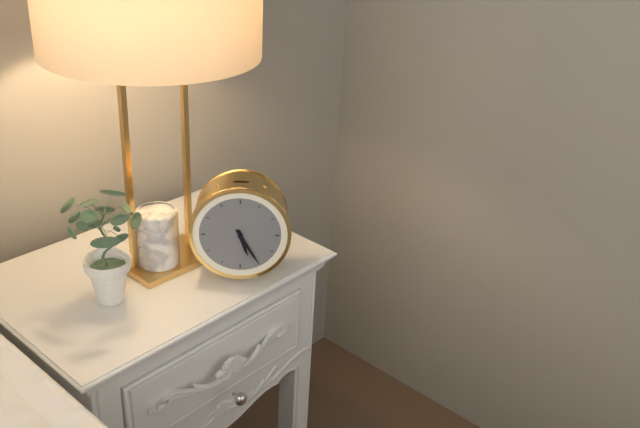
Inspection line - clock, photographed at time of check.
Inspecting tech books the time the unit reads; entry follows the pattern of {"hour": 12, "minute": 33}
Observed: {"hour": 5, "minute": 25}
